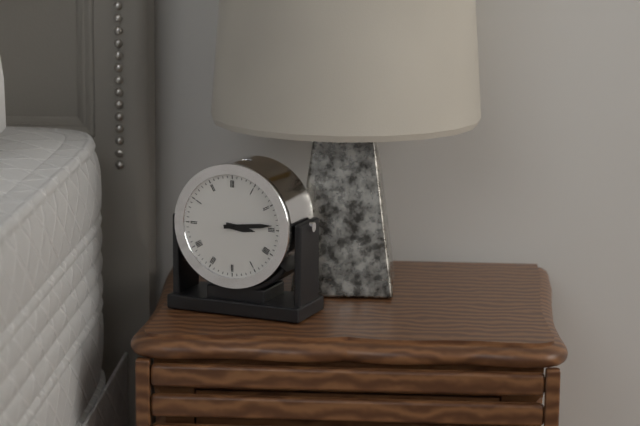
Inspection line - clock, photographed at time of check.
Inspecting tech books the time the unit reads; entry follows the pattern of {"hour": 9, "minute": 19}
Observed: {"hour": 3, "minute": 14}
